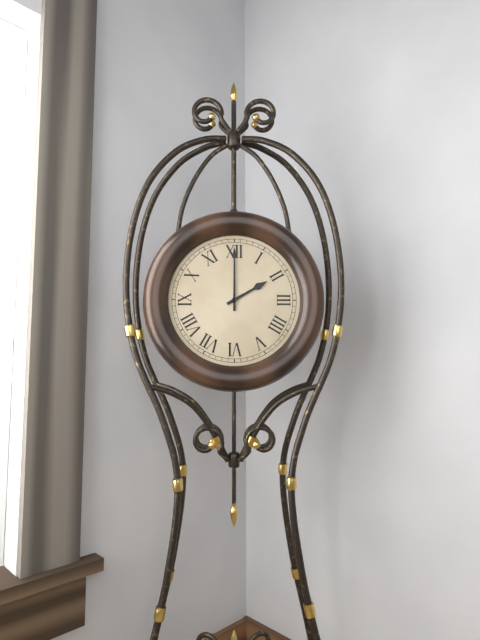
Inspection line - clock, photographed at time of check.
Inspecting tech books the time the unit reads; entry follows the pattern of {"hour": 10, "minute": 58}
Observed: {"hour": 2, "minute": 0}
